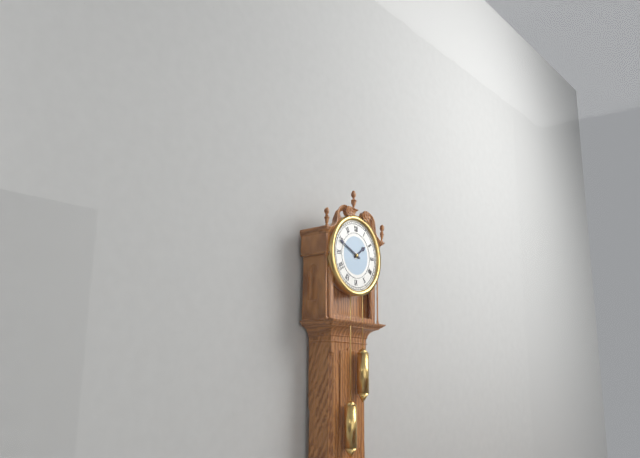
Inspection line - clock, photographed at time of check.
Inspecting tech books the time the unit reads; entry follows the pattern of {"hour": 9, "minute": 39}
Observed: {"hour": 1, "minute": 49}
